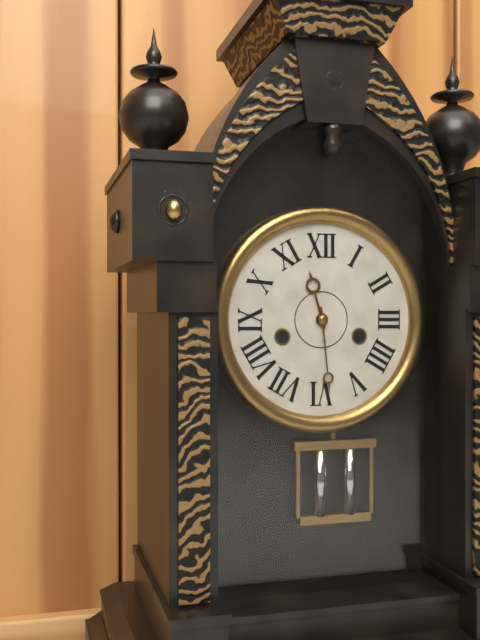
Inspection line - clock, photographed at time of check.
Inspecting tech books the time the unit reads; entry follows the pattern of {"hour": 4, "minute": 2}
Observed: {"hour": 11, "minute": 29}
